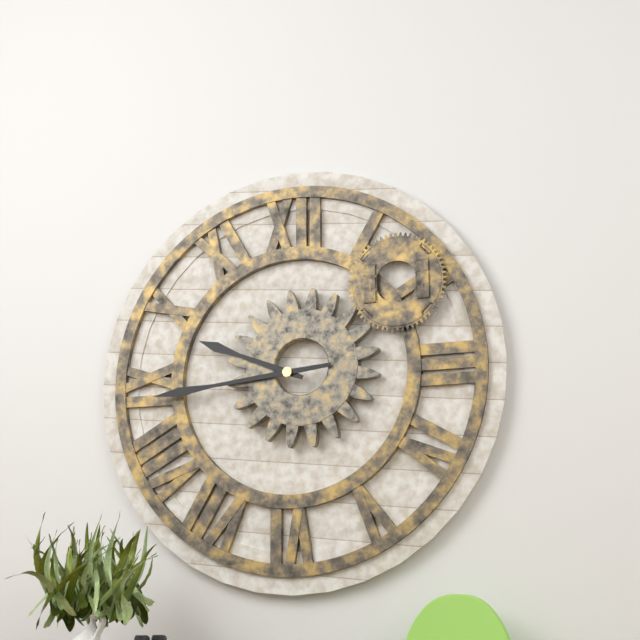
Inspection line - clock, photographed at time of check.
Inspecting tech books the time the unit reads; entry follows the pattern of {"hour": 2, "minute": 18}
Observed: {"hour": 9, "minute": 44}
